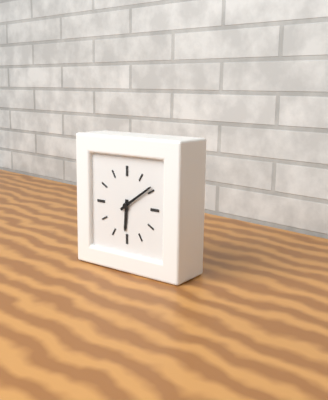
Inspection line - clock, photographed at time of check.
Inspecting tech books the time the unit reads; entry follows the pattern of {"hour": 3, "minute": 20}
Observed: {"hour": 6, "minute": 9}
